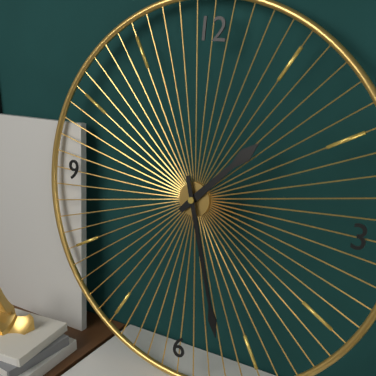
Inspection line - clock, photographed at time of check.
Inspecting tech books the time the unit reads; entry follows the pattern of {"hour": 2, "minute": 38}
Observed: {"hour": 1, "minute": 27}
